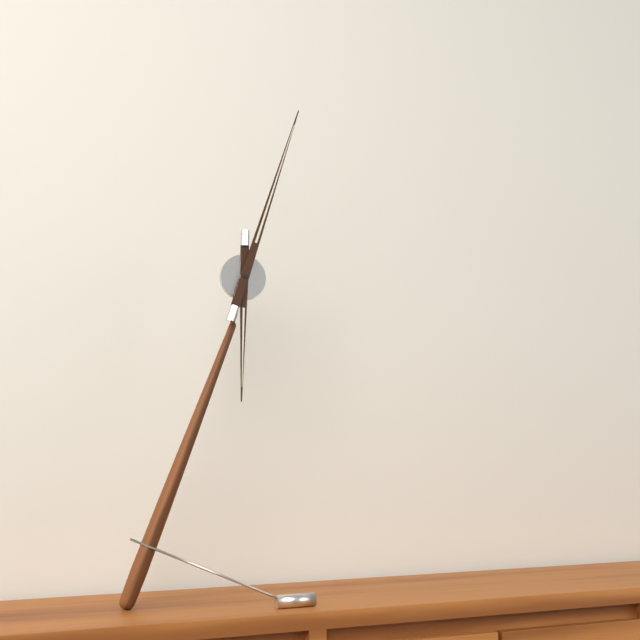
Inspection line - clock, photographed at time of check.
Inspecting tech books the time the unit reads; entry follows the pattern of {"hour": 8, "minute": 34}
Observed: {"hour": 6, "minute": 3}
